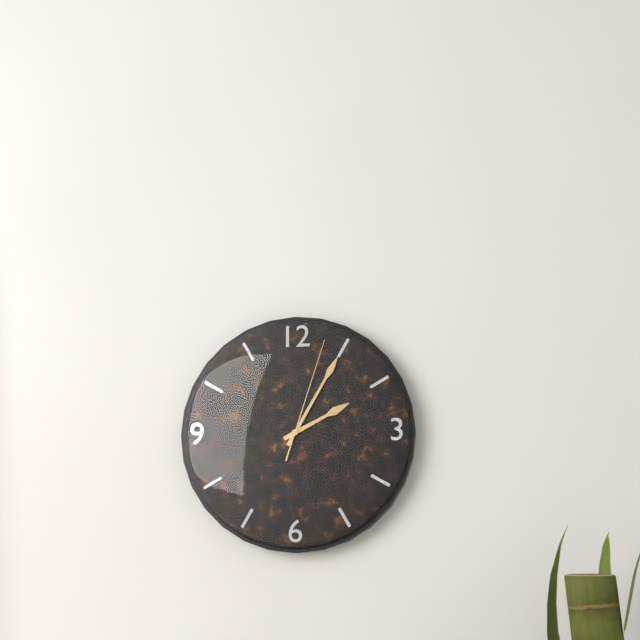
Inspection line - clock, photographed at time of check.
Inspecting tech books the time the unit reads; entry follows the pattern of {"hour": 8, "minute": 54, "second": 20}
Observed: {"hour": 2, "minute": 5, "second": 3}
